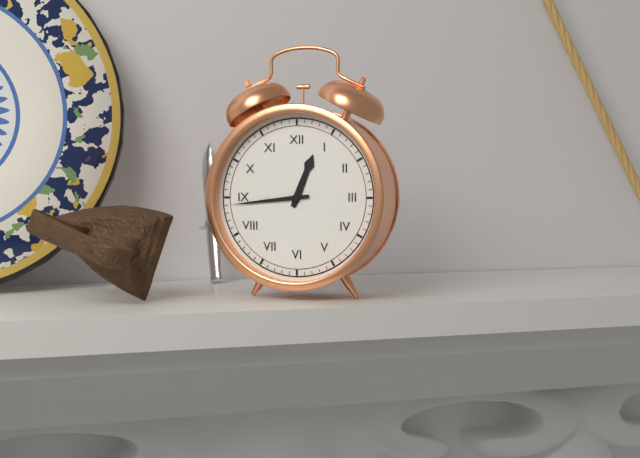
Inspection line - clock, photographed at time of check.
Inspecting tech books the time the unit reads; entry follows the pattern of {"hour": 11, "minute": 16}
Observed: {"hour": 12, "minute": 44}
